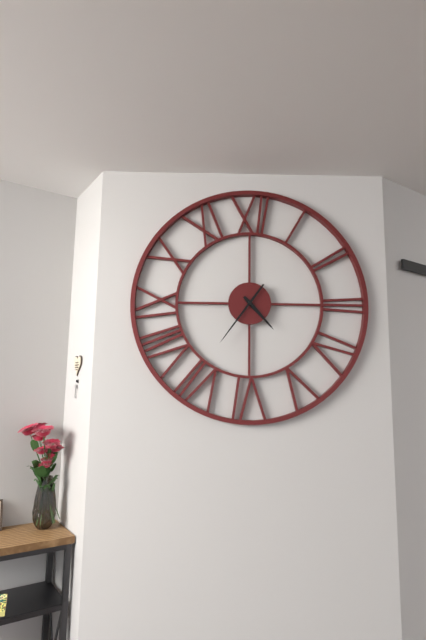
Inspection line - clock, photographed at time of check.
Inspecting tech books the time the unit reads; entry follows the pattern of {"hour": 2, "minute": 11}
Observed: {"hour": 4, "minute": 36}
